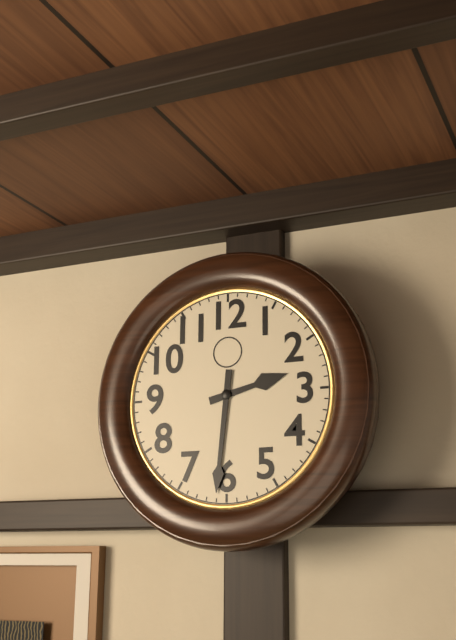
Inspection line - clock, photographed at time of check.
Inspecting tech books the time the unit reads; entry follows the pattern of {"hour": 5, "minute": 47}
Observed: {"hour": 2, "minute": 31}
